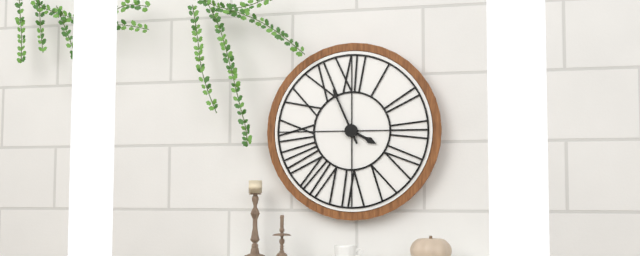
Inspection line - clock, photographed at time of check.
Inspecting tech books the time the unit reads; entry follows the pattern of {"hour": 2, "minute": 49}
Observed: {"hour": 3, "minute": 56}
